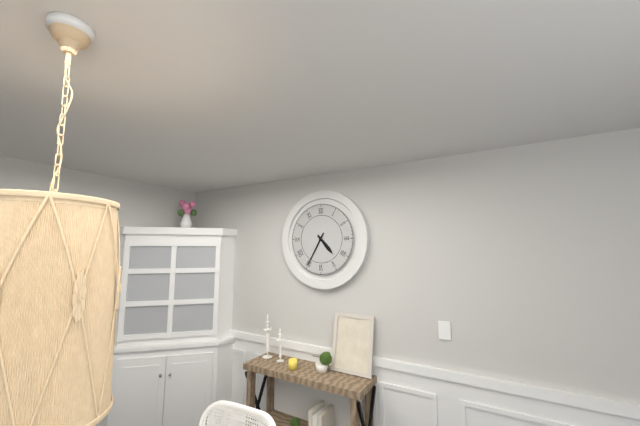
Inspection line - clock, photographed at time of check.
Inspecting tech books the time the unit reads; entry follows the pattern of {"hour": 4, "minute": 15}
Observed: {"hour": 4, "minute": 35}
